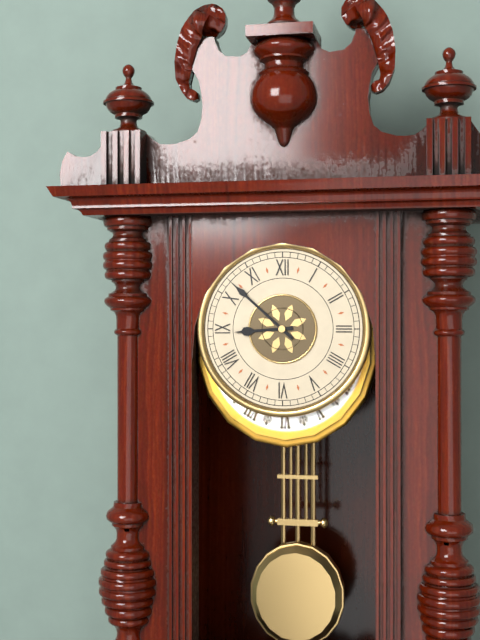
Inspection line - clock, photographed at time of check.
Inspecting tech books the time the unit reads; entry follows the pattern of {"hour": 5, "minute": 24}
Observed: {"hour": 8, "minute": 52}
